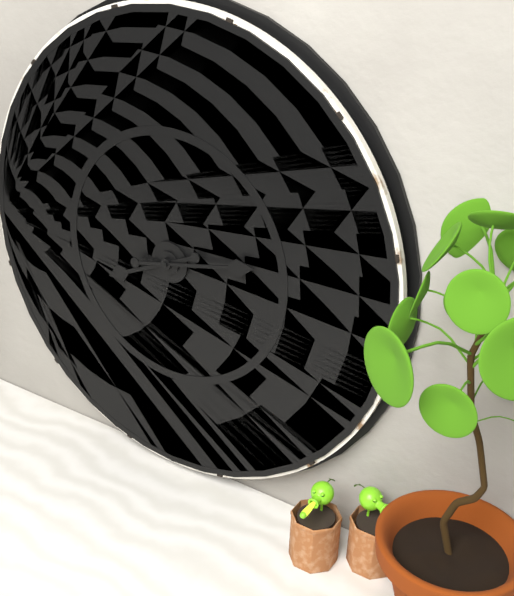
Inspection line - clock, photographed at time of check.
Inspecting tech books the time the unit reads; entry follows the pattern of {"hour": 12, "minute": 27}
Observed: {"hour": 8, "minute": 13}
